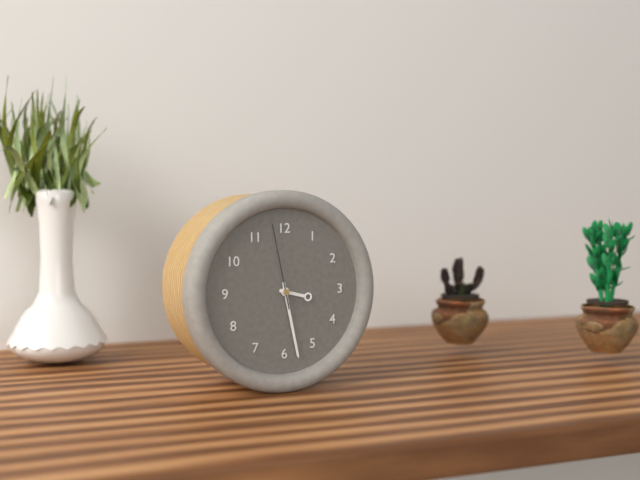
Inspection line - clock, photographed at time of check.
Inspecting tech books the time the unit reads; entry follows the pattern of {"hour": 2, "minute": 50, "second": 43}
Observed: {"hour": 3, "minute": 28, "second": 58}
